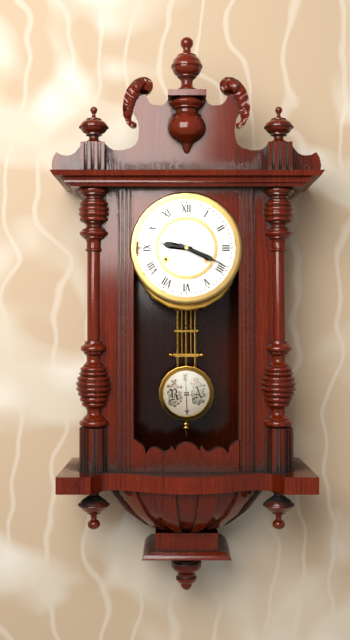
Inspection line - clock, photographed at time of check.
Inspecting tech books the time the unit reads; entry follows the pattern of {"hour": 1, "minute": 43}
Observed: {"hour": 9, "minute": 19}
